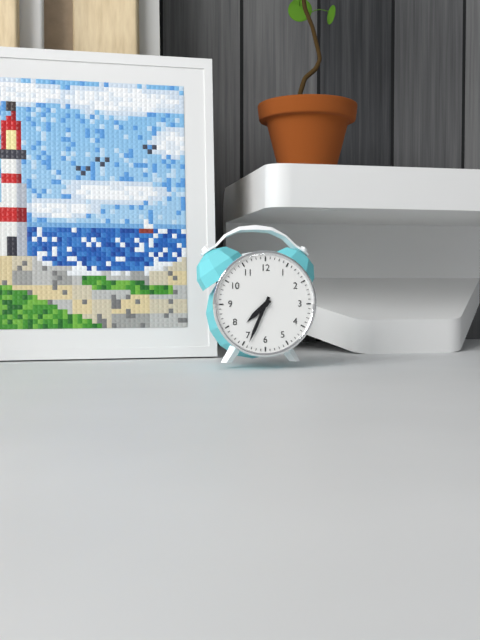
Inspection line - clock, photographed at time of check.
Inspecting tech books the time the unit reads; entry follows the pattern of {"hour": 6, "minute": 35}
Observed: {"hour": 7, "minute": 34}
